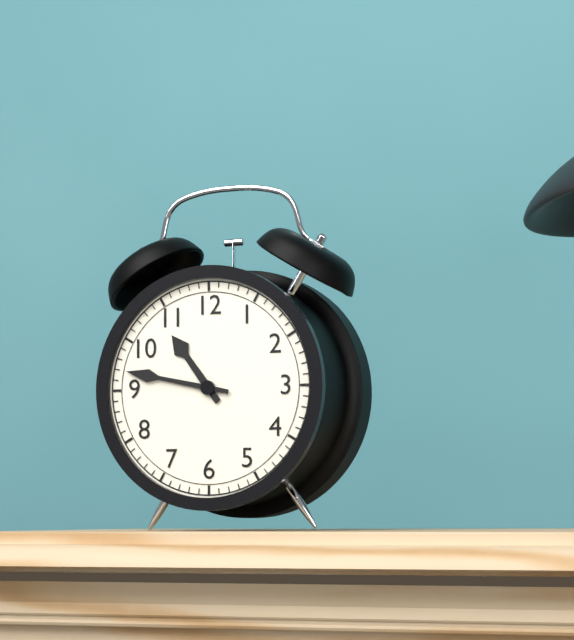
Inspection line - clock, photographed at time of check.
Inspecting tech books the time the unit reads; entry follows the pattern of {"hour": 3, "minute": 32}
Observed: {"hour": 10, "minute": 47}
